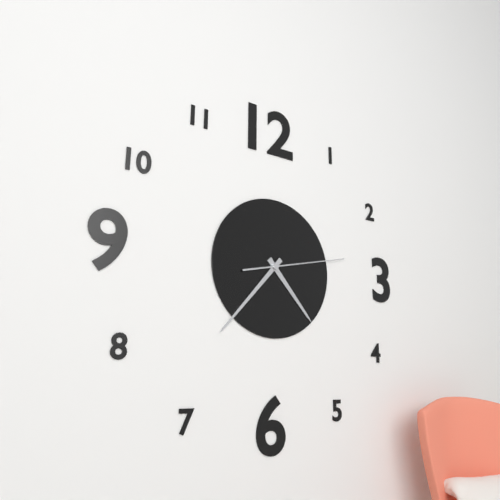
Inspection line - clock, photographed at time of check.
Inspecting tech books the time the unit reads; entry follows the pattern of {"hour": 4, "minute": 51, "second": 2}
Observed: {"hour": 4, "minute": 37, "second": 13}
